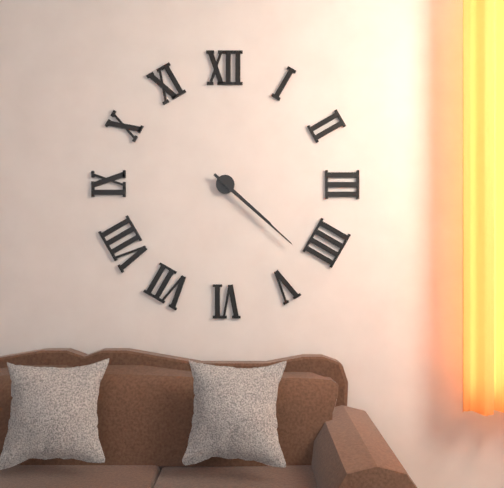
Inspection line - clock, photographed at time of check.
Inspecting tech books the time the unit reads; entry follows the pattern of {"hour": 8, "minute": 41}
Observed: {"hour": 4, "minute": 22}
